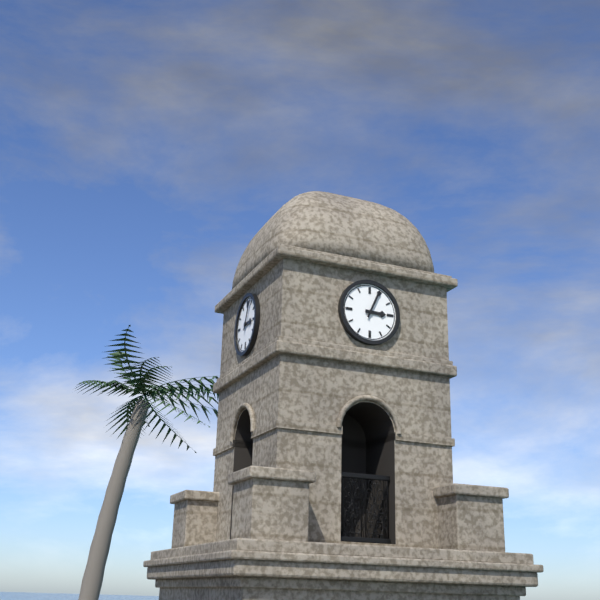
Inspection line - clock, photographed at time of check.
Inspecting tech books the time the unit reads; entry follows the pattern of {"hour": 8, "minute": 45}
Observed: {"hour": 3, "minute": 4}
